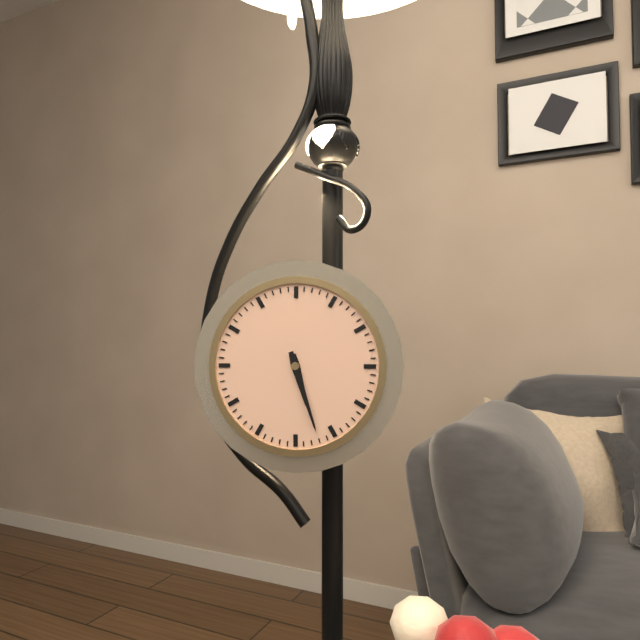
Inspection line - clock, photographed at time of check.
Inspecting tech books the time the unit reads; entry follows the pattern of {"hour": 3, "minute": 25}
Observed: {"hour": 5, "minute": 27}
